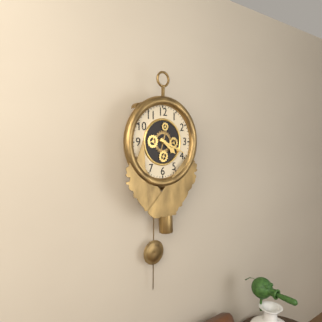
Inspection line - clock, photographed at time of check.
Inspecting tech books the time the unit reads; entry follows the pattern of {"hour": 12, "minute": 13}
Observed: {"hour": 4, "minute": 19}
